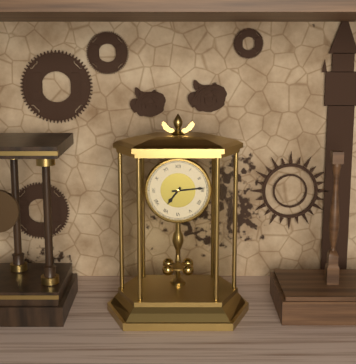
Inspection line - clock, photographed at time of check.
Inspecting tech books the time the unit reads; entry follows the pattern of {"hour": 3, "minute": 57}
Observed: {"hour": 7, "minute": 14}
